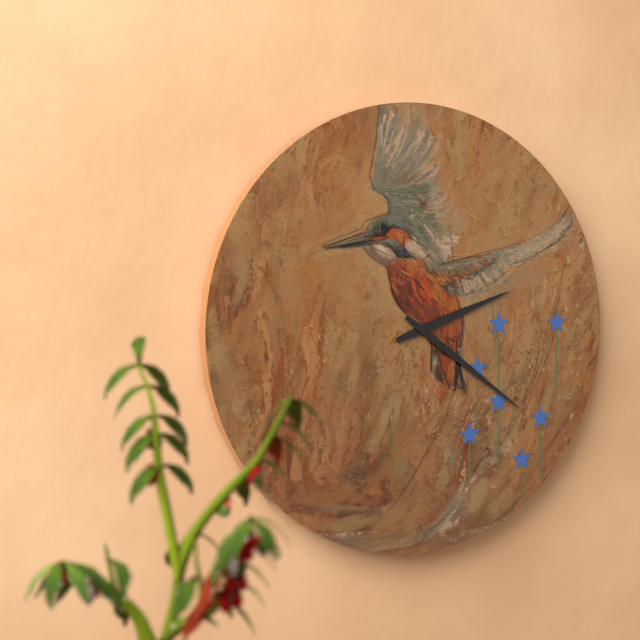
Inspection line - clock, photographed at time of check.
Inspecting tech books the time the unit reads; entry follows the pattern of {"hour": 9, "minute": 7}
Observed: {"hour": 2, "minute": 21}
